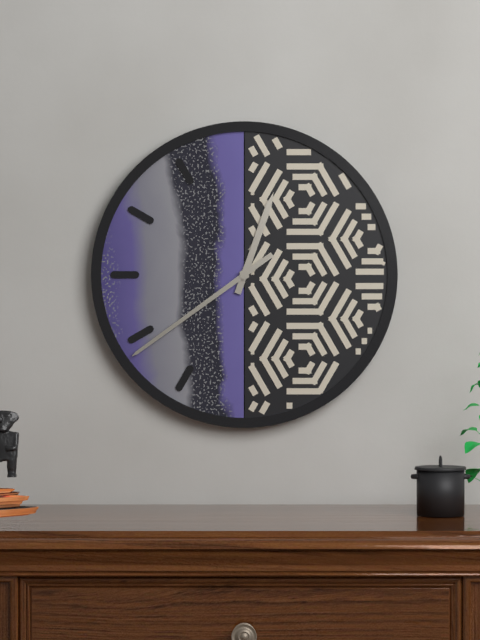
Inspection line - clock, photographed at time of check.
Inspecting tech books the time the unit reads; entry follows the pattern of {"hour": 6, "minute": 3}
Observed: {"hour": 12, "minute": 39}
